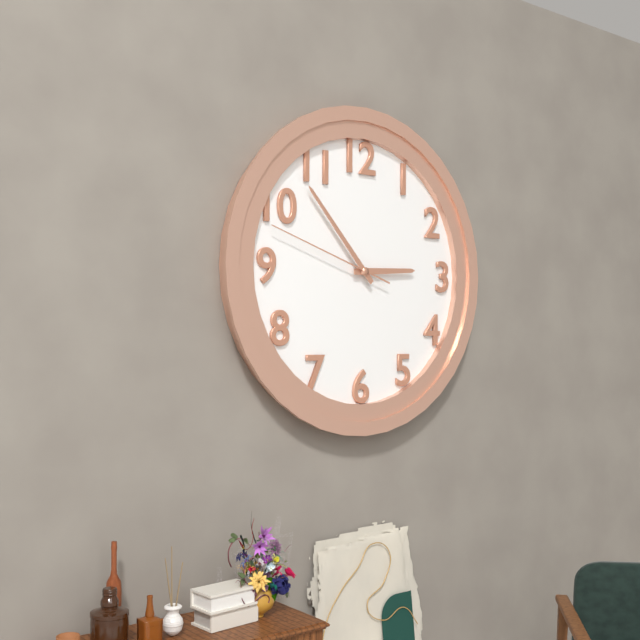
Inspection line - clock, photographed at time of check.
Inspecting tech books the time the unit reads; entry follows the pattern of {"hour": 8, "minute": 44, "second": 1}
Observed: {"hour": 2, "minute": 53, "second": 48}
